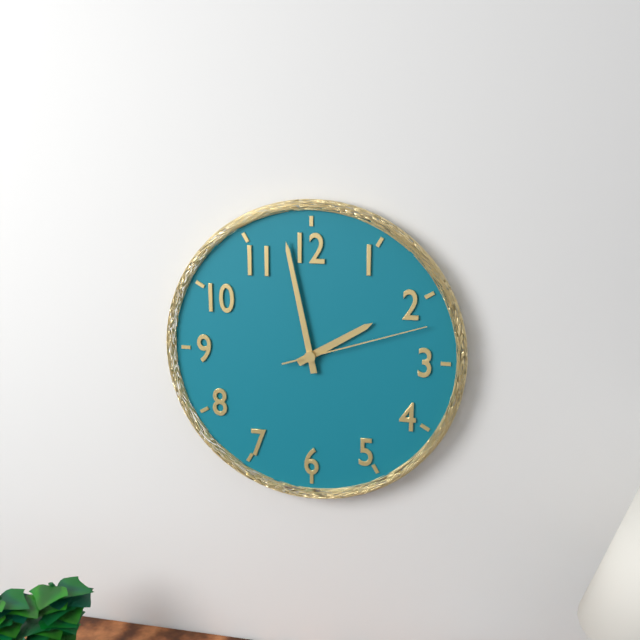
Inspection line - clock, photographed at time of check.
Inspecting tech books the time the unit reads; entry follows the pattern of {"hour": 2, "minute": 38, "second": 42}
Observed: {"hour": 1, "minute": 58, "second": 12}
